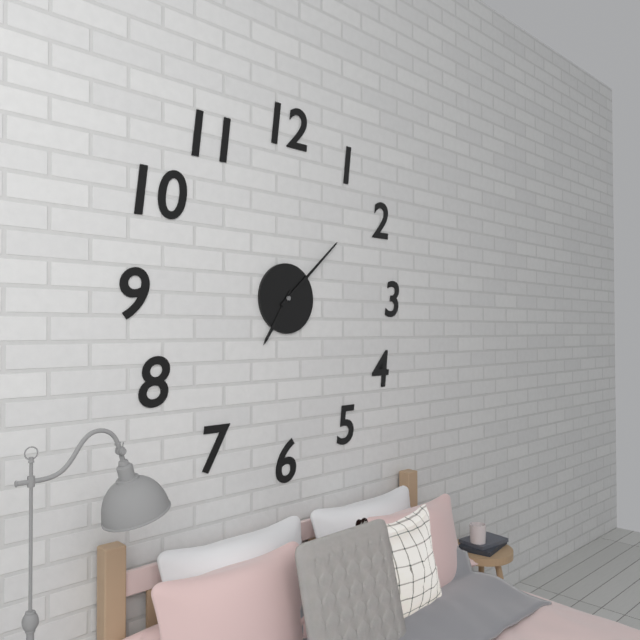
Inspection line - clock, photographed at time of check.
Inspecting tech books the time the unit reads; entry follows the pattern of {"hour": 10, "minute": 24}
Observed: {"hour": 7, "minute": 8}
